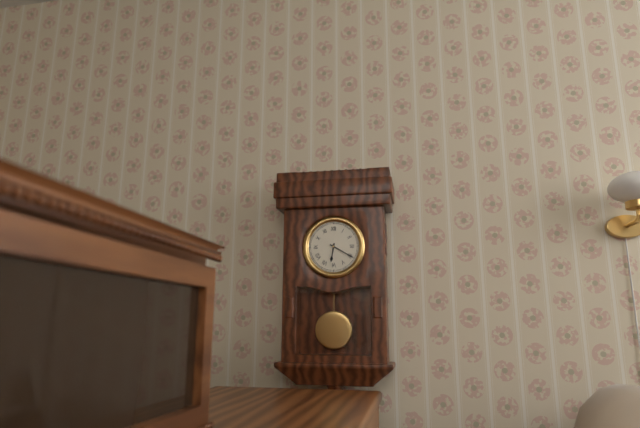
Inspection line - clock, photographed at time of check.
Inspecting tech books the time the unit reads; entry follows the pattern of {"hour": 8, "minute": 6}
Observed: {"hour": 6, "minute": 20}
